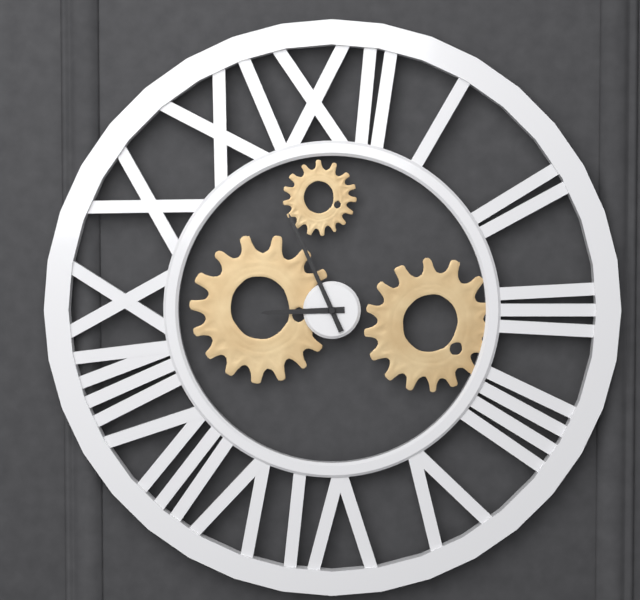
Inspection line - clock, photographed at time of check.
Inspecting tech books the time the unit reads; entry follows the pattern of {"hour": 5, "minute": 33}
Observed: {"hour": 8, "minute": 56}
